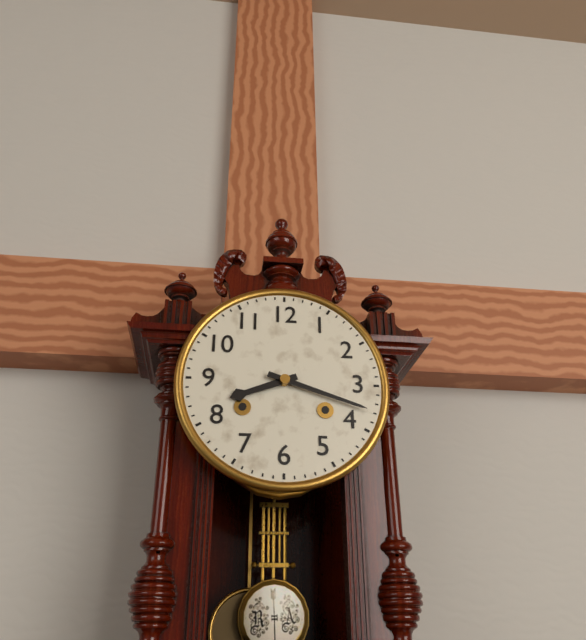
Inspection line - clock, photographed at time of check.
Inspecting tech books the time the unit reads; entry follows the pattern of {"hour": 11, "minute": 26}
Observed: {"hour": 8, "minute": 18}
